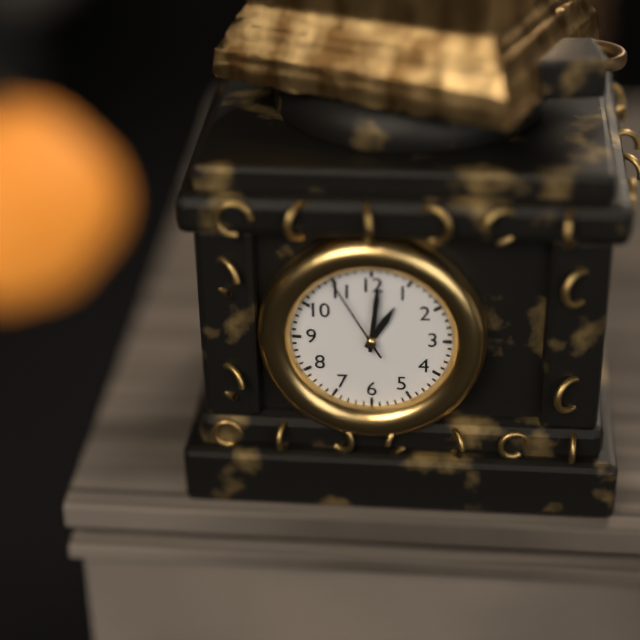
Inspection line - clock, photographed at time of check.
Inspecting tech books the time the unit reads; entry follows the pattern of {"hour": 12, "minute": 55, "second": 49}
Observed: {"hour": 1, "minute": 1, "second": 55}
